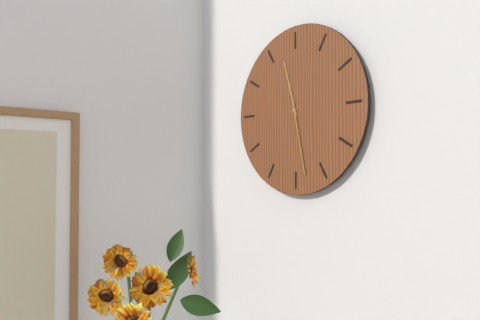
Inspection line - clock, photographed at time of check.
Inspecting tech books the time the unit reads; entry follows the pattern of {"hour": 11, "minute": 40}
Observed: {"hour": 11, "minute": 28}
